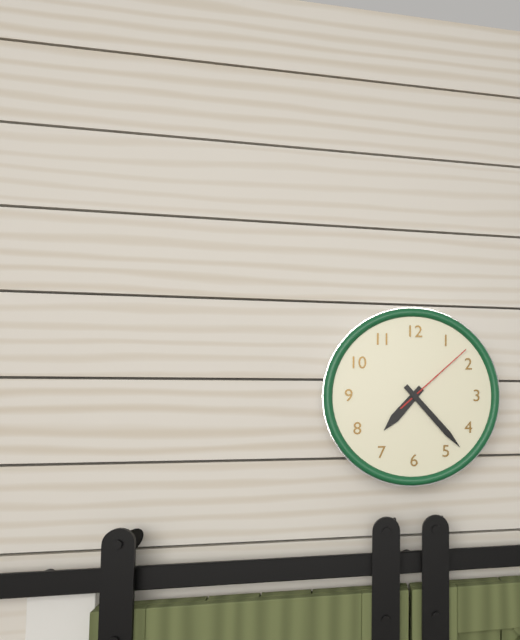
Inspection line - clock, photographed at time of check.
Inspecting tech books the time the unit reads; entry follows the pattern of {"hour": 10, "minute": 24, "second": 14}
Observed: {"hour": 7, "minute": 23, "second": 8}
